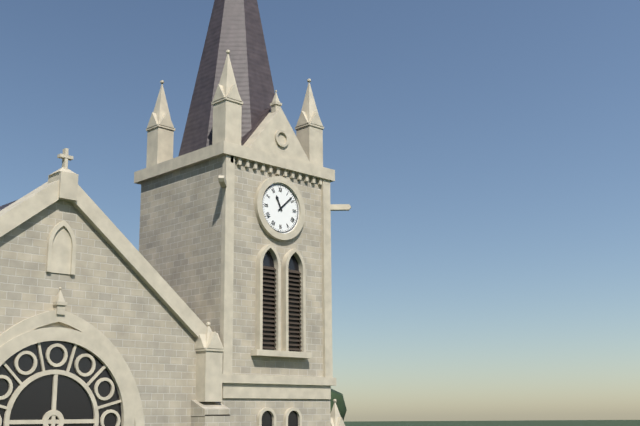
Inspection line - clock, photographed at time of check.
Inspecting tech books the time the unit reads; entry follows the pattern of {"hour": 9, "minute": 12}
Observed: {"hour": 11, "minute": 8}
